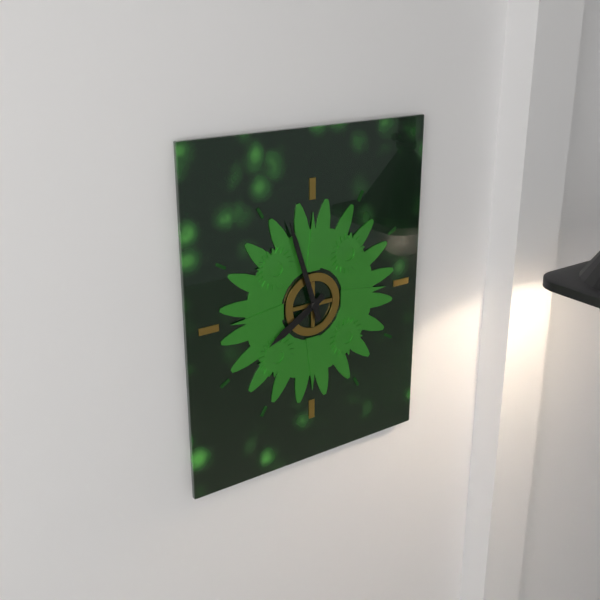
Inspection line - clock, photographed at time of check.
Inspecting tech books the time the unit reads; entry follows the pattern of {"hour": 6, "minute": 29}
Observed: {"hour": 7, "minute": 57}
